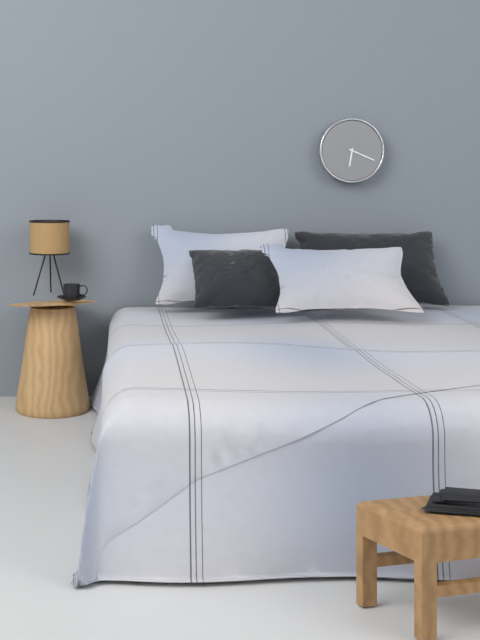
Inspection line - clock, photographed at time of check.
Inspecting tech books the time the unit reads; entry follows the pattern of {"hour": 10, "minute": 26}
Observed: {"hour": 6, "minute": 19}
